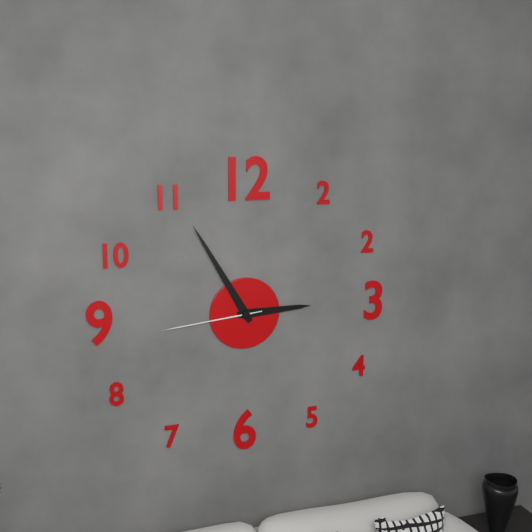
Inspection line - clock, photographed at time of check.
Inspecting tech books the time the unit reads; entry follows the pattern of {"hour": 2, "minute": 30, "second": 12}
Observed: {"hour": 2, "minute": 55, "second": 44}
